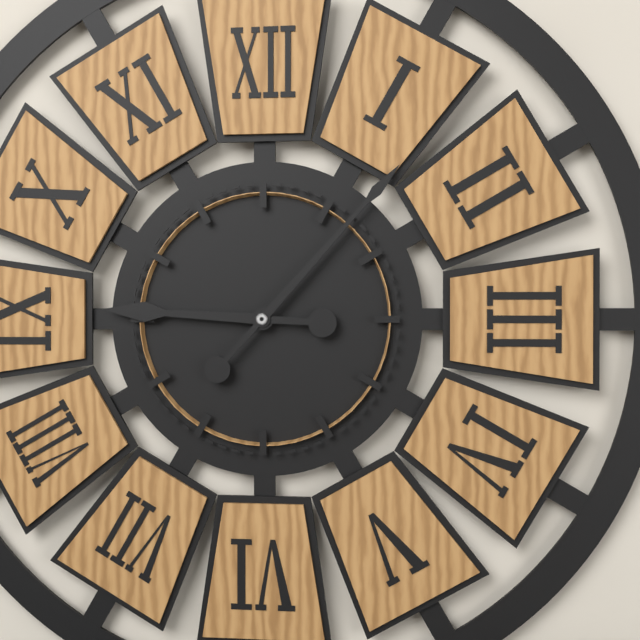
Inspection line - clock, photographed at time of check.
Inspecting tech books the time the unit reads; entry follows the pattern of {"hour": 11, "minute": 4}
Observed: {"hour": 9, "minute": 7}
